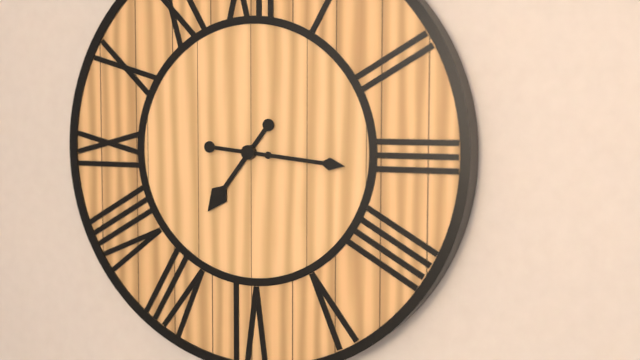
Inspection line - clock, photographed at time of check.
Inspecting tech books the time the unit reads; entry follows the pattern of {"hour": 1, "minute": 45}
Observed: {"hour": 7, "minute": 16}
